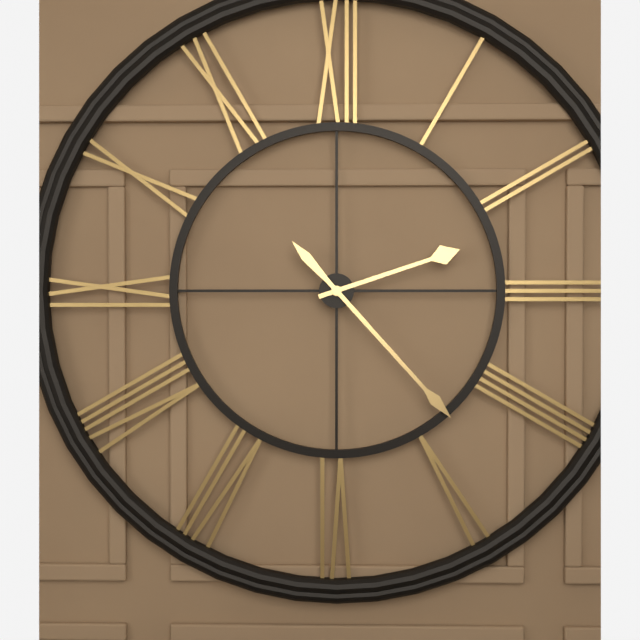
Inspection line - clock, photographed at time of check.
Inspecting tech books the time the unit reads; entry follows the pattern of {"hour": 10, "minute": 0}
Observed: {"hour": 2, "minute": 23}
